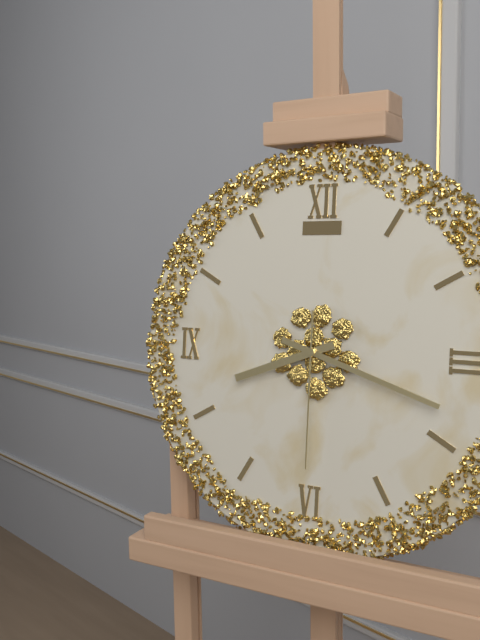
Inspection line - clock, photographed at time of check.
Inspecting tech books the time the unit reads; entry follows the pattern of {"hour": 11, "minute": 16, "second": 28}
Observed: {"hour": 8, "minute": 18, "second": 30}
